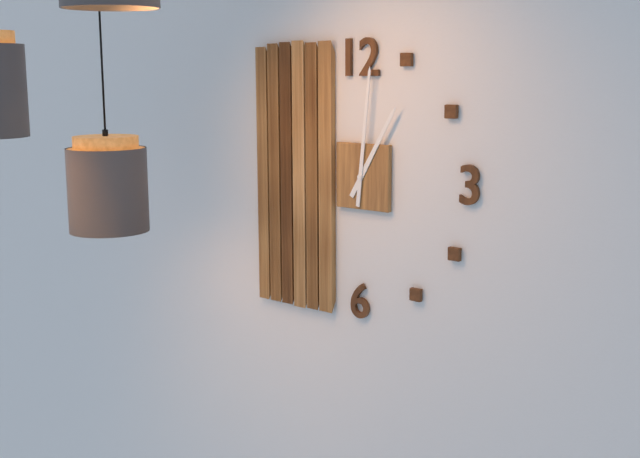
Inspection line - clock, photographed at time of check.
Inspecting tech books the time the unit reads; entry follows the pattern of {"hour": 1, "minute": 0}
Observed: {"hour": 1, "minute": 1}
